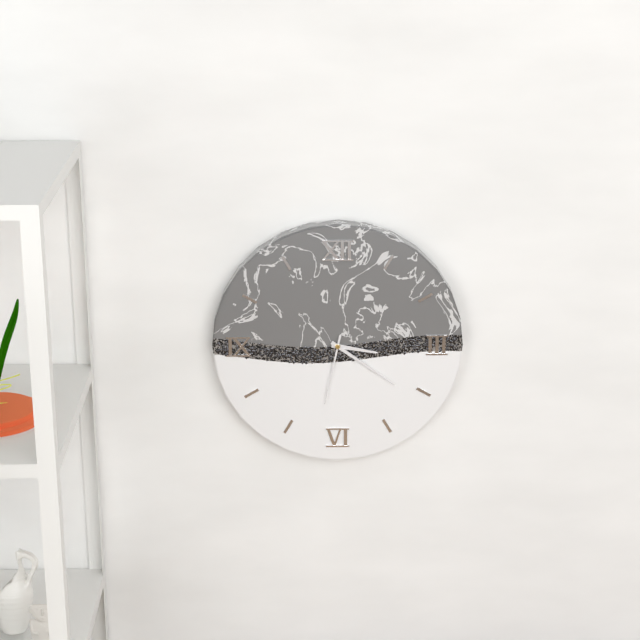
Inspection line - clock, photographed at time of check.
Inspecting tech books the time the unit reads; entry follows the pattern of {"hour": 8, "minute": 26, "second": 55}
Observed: {"hour": 3, "minute": 21, "second": 32}
